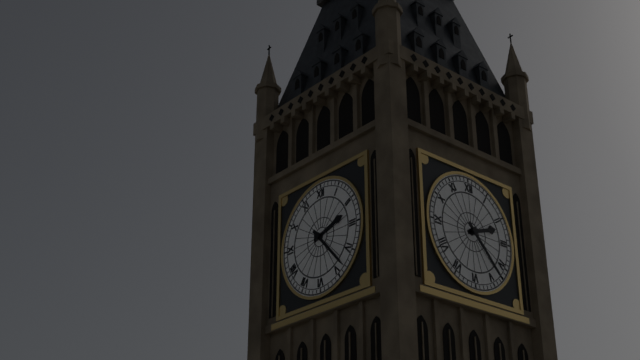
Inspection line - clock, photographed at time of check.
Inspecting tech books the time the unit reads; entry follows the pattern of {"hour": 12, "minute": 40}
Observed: {"hour": 2, "minute": 23}
